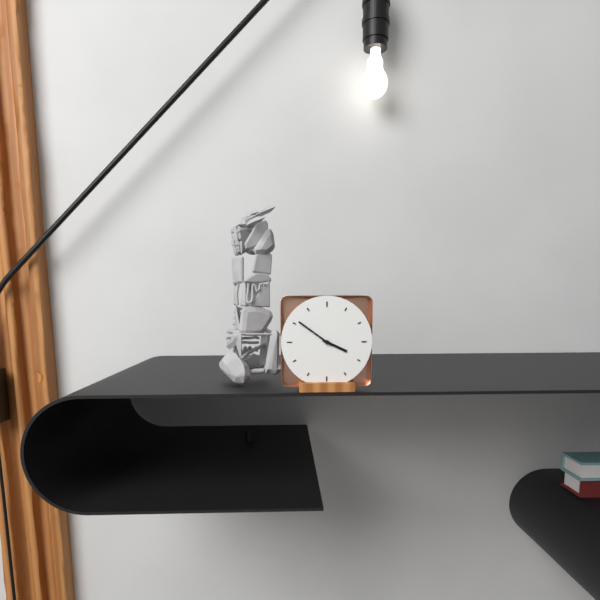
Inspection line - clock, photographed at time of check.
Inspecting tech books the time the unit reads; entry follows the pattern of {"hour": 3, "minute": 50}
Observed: {"hour": 3, "minute": 51}
